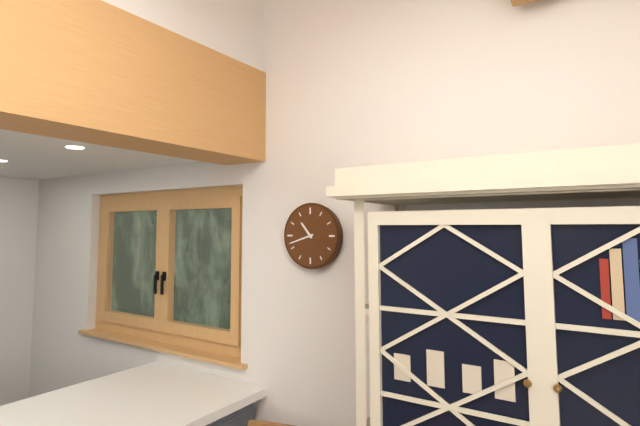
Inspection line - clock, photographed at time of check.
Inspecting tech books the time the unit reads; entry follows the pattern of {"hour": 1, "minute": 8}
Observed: {"hour": 10, "minute": 42}
